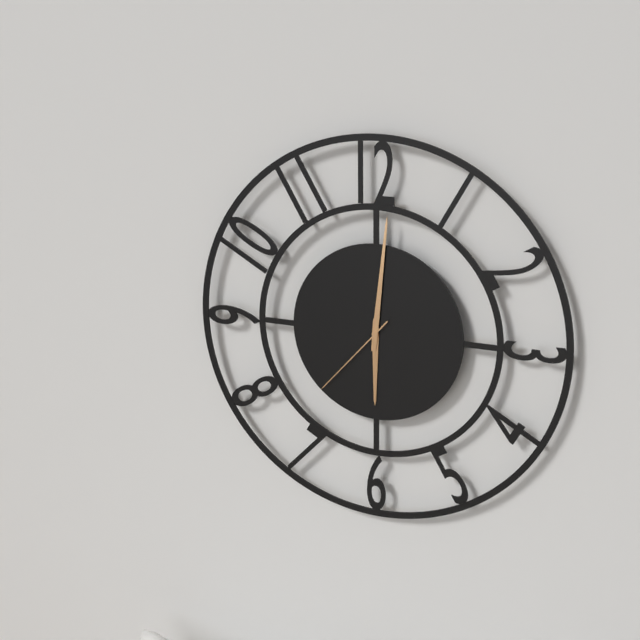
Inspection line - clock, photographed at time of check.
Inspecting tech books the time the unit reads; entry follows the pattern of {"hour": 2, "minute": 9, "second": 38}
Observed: {"hour": 6, "minute": 1, "second": 37}
